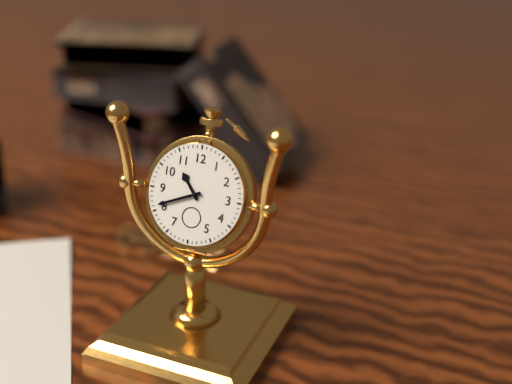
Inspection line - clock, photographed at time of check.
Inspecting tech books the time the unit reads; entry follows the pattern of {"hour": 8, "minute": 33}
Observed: {"hour": 10, "minute": 41}
